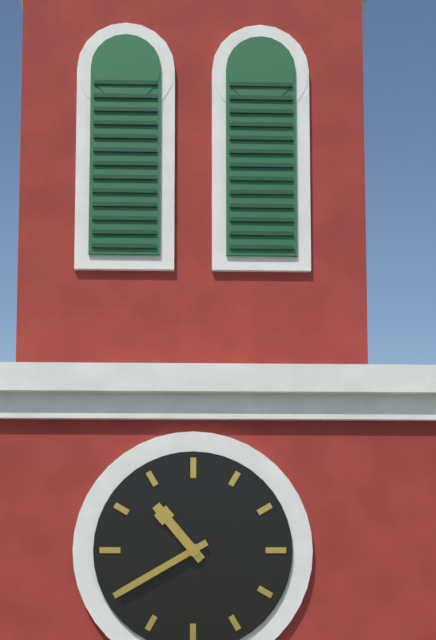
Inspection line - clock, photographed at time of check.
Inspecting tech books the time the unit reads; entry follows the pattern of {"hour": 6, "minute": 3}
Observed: {"hour": 10, "minute": 40}
